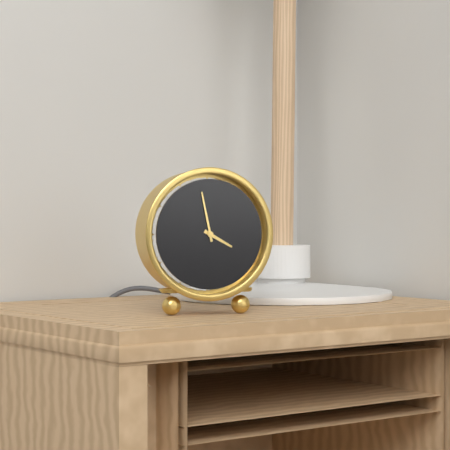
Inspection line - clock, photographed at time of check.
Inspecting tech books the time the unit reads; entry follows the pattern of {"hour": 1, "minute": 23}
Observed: {"hour": 3, "minute": 58}
